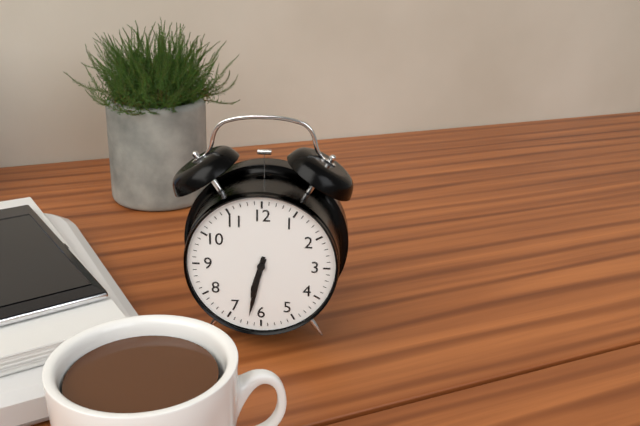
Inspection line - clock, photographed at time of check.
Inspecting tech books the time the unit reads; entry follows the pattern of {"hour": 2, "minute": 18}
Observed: {"hour": 6, "minute": 32}
